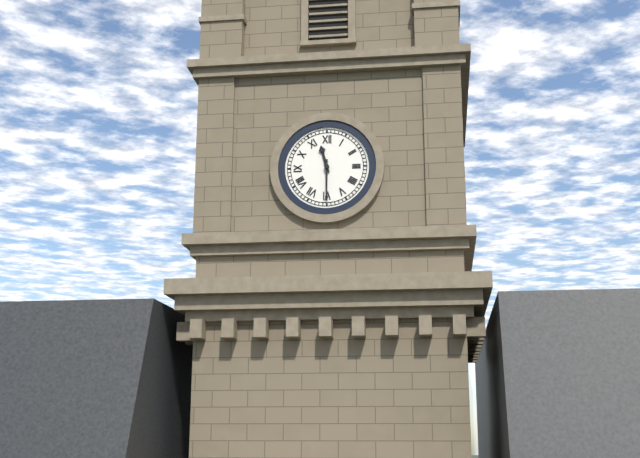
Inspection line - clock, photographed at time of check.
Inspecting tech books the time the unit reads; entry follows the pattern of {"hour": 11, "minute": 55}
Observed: {"hour": 11, "minute": 30}
